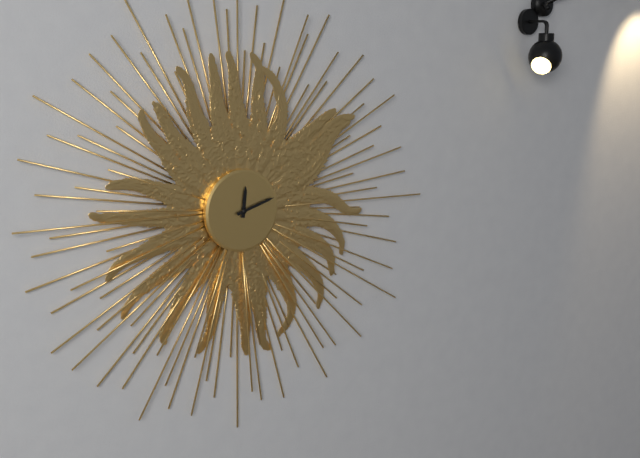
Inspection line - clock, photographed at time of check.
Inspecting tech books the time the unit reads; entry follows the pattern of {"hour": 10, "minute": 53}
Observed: {"hour": 12, "minute": 12}
